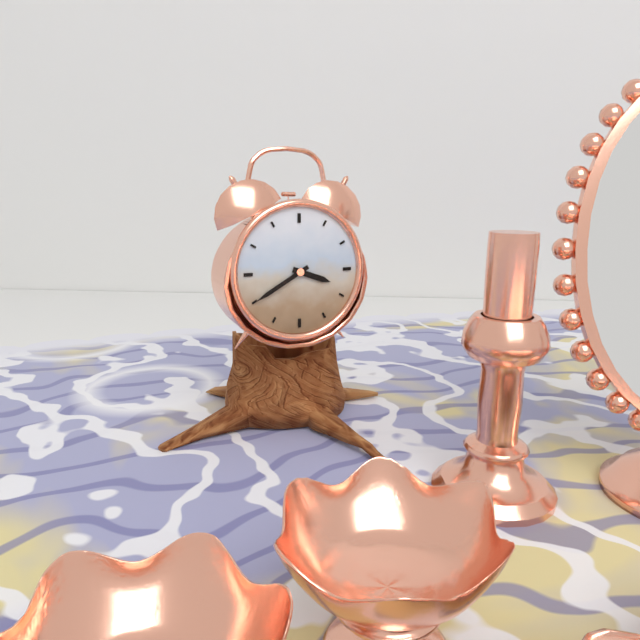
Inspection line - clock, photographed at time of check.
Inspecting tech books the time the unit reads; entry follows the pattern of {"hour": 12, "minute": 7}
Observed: {"hour": 3, "minute": 40}
